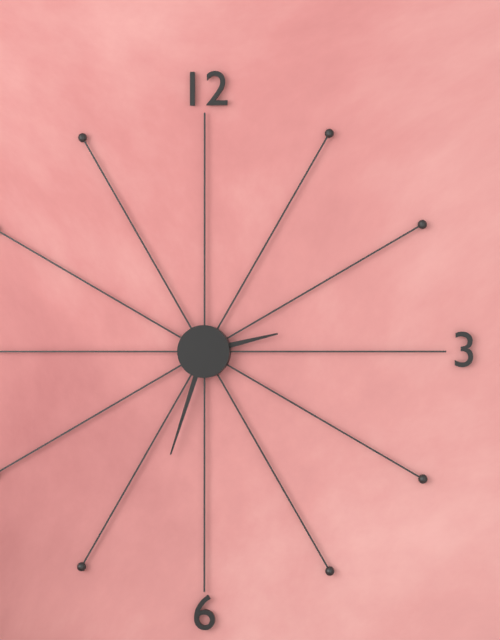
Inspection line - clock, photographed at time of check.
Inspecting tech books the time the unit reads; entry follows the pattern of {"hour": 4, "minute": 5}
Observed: {"hour": 2, "minute": 33}
